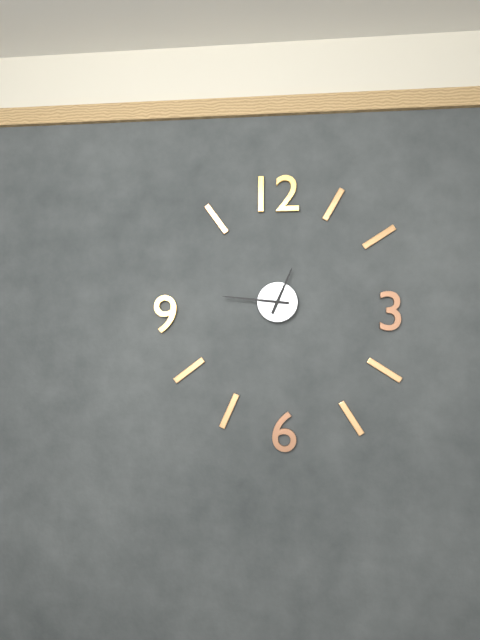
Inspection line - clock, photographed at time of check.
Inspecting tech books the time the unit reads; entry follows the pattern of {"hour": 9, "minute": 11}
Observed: {"hour": 12, "minute": 46}
